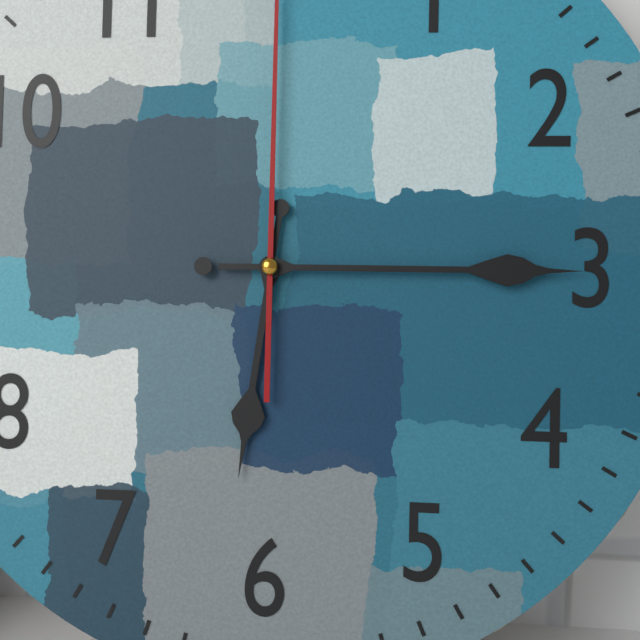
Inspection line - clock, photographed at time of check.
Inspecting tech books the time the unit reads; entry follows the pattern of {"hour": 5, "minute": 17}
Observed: {"hour": 6, "minute": 15}
